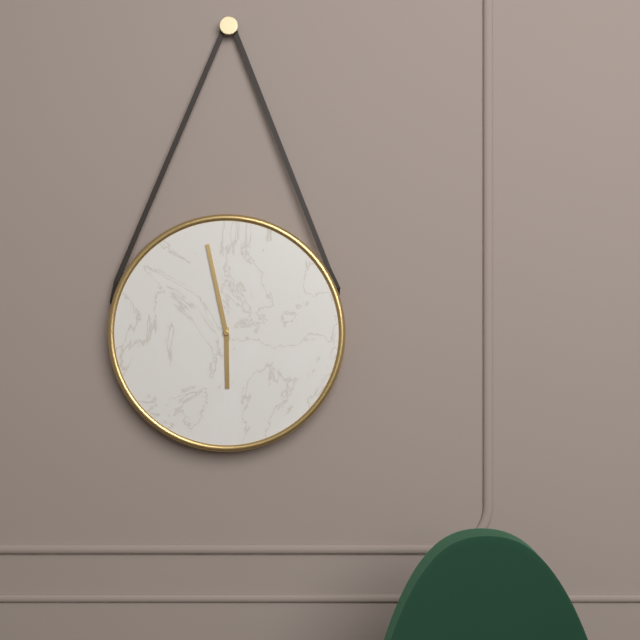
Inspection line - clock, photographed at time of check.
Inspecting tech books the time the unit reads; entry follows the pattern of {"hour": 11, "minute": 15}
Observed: {"hour": 5, "minute": 58}
